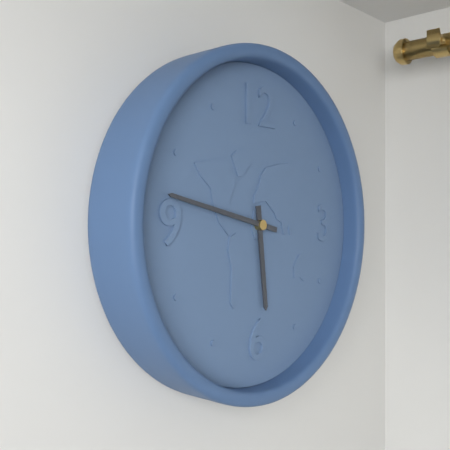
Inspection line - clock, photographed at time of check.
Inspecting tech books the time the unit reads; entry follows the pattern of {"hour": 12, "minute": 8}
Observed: {"hour": 5, "minute": 47}
